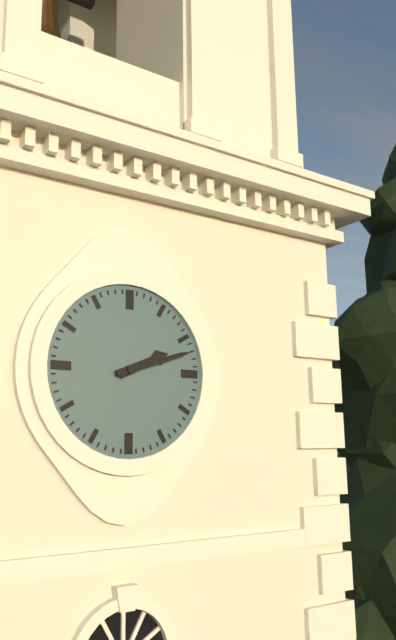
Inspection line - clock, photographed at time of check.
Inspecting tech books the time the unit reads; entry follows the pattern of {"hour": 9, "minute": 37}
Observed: {"hour": 2, "minute": 12}
